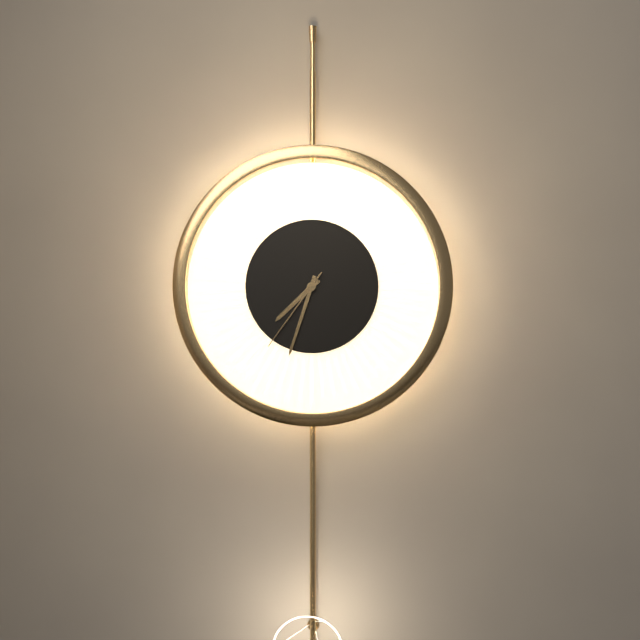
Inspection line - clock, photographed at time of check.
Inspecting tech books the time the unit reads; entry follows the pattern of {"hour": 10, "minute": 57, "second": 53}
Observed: {"hour": 7, "minute": 33, "second": 36}
